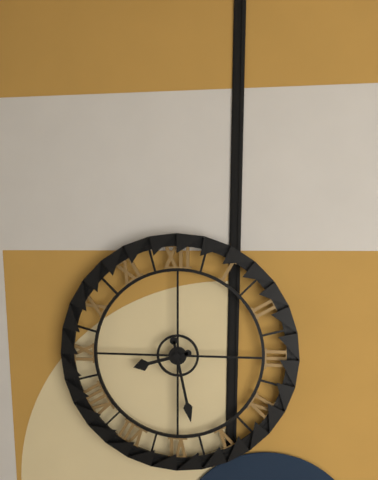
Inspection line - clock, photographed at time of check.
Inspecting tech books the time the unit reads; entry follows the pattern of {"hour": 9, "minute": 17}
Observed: {"hour": 8, "minute": 28}
